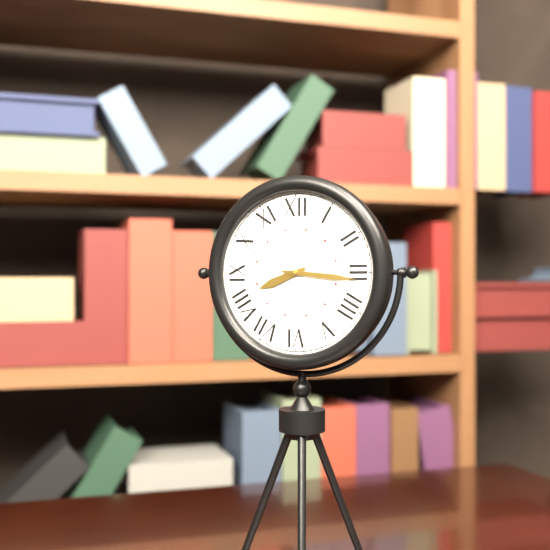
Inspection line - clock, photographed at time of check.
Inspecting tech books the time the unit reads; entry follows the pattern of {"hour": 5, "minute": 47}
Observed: {"hour": 8, "minute": 16}
